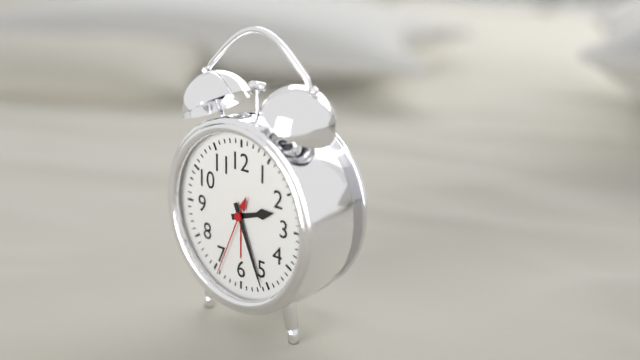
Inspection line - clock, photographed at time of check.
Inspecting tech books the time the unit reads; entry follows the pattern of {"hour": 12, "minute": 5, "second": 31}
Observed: {"hour": 2, "minute": 26, "second": 34}
